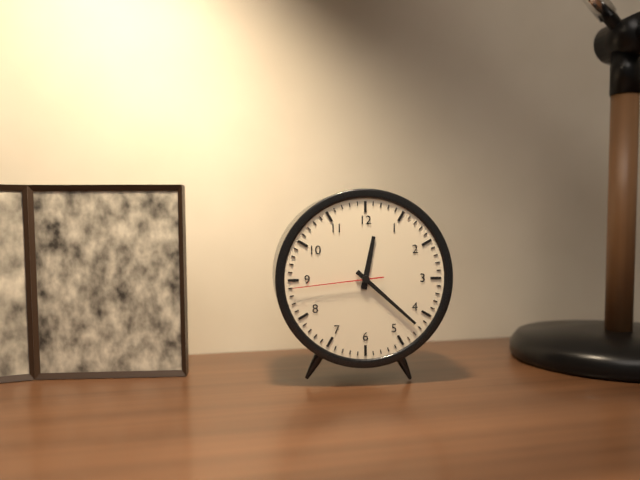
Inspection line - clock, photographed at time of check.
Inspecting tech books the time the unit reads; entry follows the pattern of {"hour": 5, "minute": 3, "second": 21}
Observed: {"hour": 12, "minute": 22, "second": 44}
